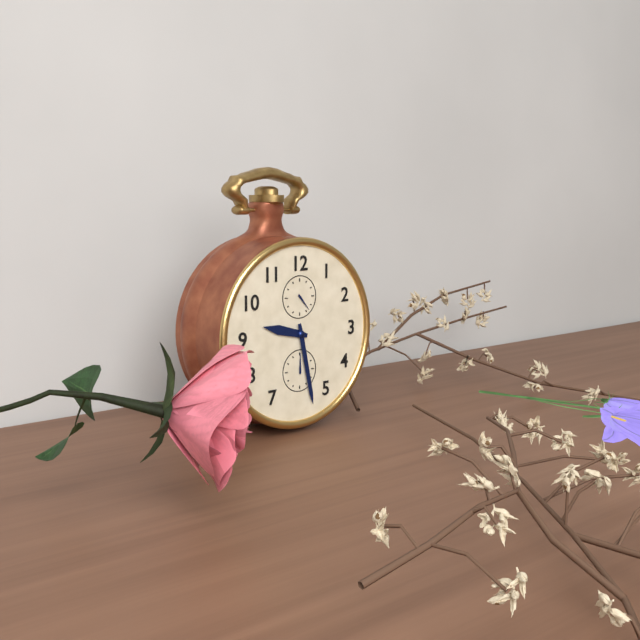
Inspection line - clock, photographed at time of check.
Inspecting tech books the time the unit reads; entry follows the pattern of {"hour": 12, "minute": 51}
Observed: {"hour": 9, "minute": 28}
